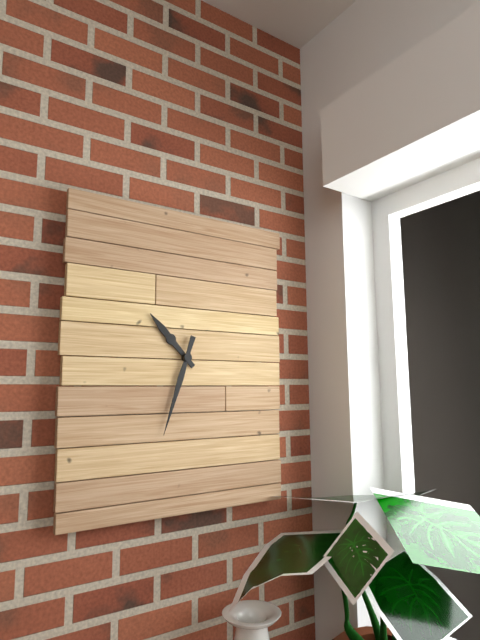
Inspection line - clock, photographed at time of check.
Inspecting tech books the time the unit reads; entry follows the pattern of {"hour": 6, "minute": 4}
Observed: {"hour": 10, "minute": 33}
